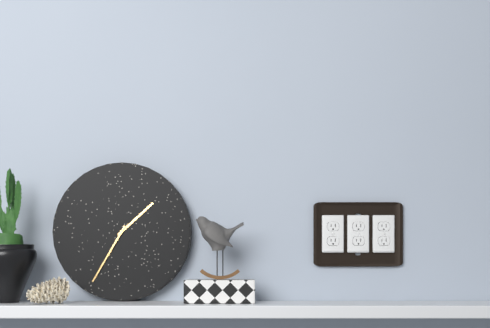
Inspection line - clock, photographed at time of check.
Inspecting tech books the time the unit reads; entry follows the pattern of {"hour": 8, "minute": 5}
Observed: {"hour": 1, "minute": 35}
